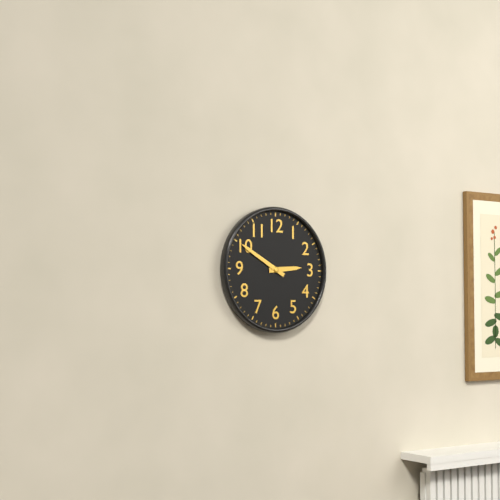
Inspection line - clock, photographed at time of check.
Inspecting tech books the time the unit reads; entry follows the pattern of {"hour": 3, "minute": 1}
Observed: {"hour": 2, "minute": 50}
